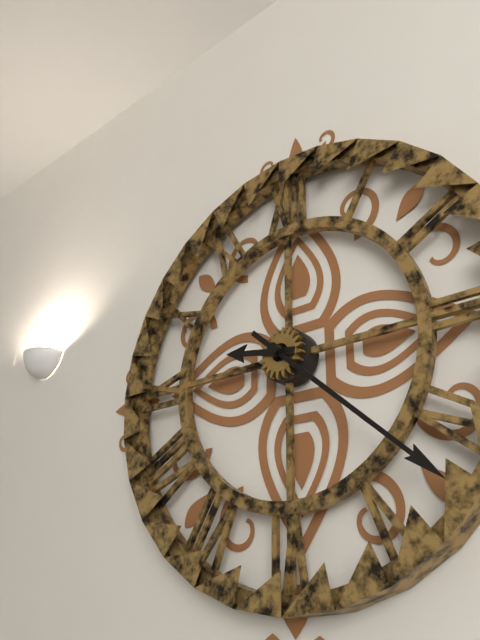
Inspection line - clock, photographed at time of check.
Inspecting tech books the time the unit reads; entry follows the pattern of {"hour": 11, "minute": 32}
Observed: {"hour": 9, "minute": 22}
